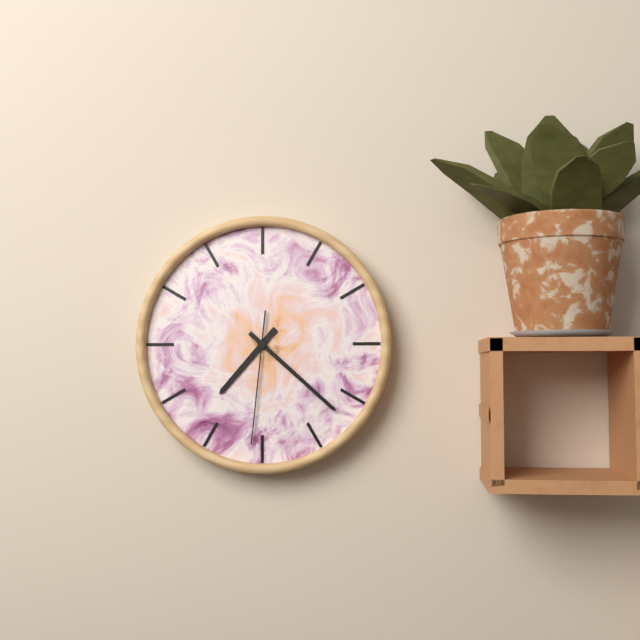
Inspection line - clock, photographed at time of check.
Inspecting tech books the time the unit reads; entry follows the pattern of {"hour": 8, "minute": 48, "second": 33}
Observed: {"hour": 7, "minute": 22, "second": 31}
